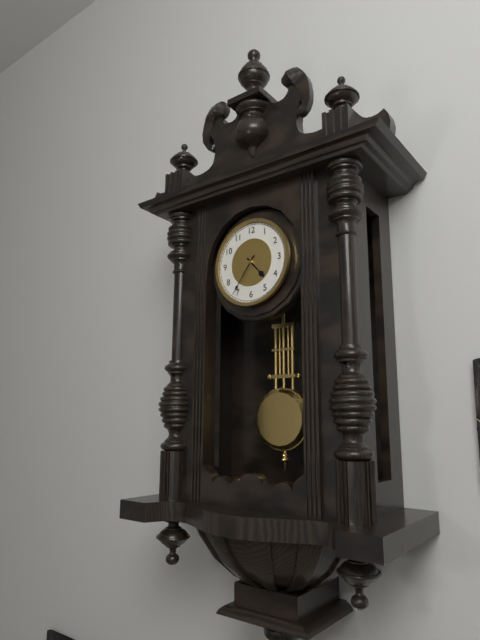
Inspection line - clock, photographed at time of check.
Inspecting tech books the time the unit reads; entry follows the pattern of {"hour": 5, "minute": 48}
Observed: {"hour": 4, "minute": 36}
